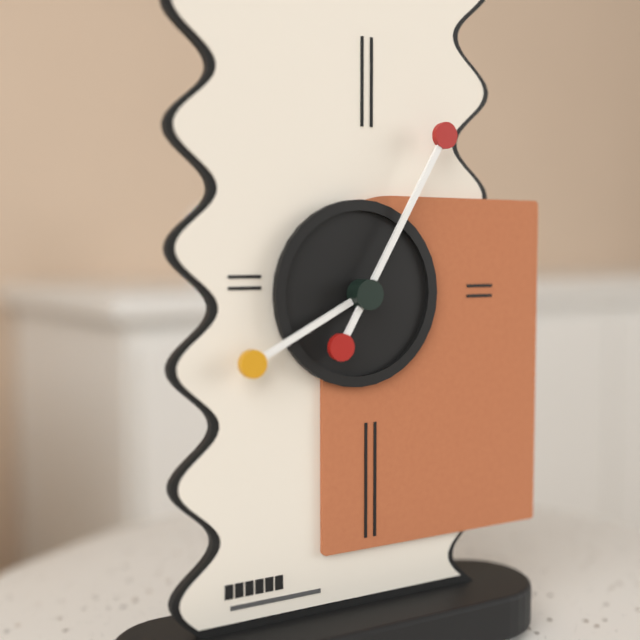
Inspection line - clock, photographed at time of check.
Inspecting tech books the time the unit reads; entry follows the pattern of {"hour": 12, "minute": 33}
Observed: {"hour": 8, "minute": 5}
